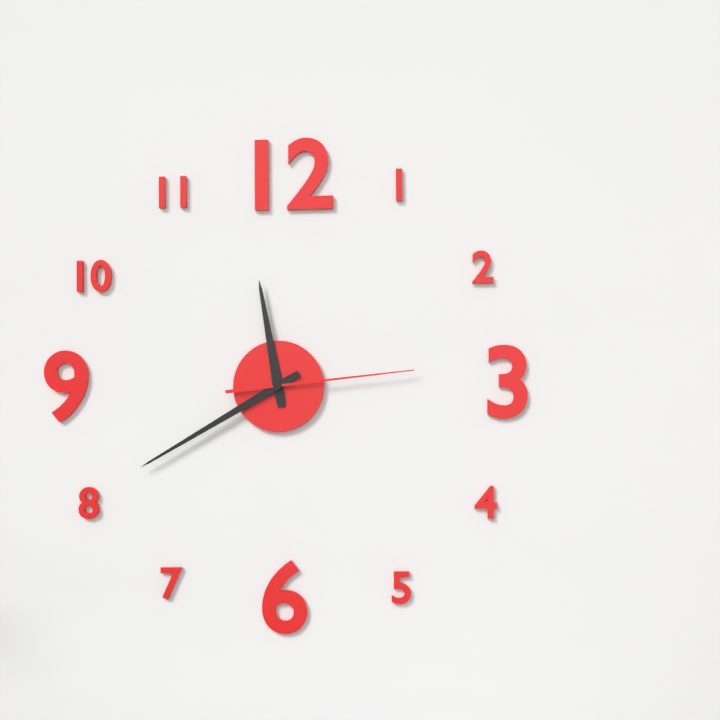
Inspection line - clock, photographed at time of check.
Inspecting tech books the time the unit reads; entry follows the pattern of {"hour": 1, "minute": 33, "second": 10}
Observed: {"hour": 11, "minute": 40, "second": 14}
